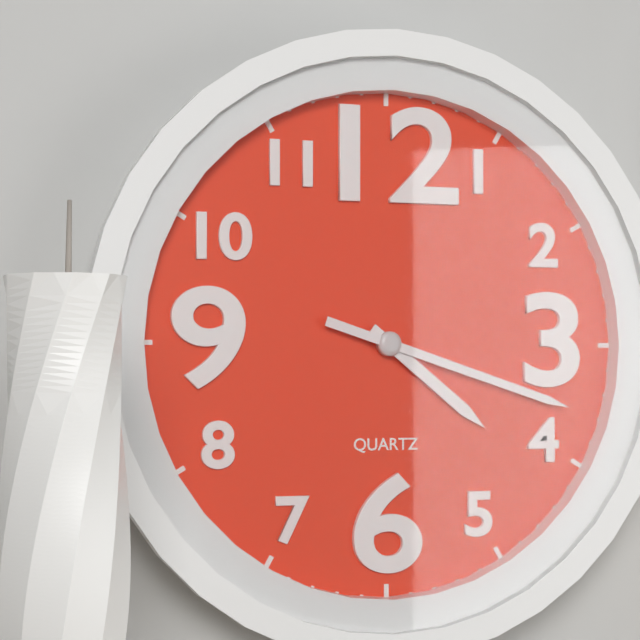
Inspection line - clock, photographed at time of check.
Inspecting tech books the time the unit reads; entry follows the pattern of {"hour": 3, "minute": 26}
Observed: {"hour": 4, "minute": 18}
